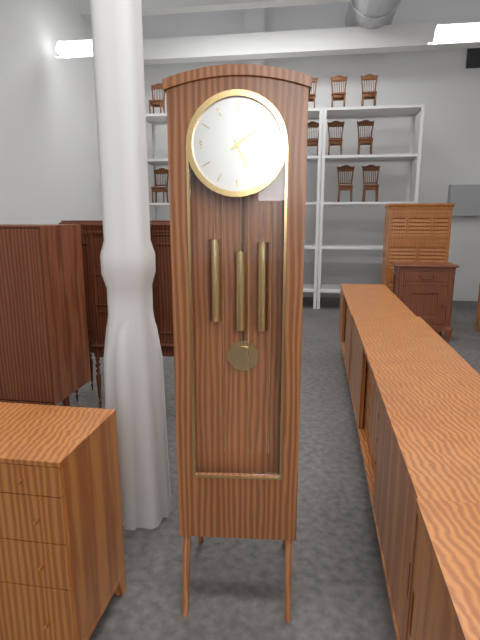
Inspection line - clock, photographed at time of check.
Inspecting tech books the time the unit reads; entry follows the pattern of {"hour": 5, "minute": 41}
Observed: {"hour": 5, "minute": 9}
